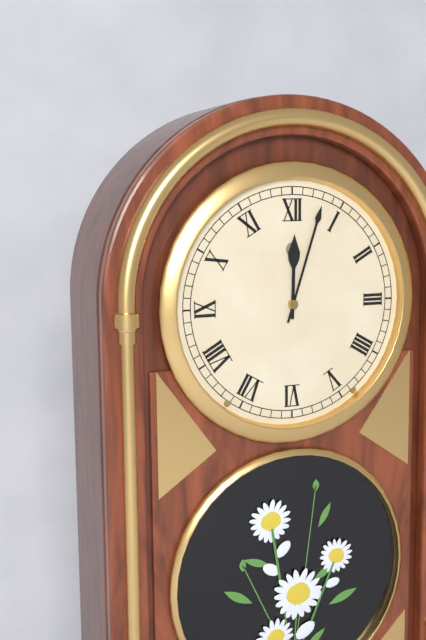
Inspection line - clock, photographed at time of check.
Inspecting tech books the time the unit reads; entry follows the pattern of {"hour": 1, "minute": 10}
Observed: {"hour": 12, "minute": 3}
